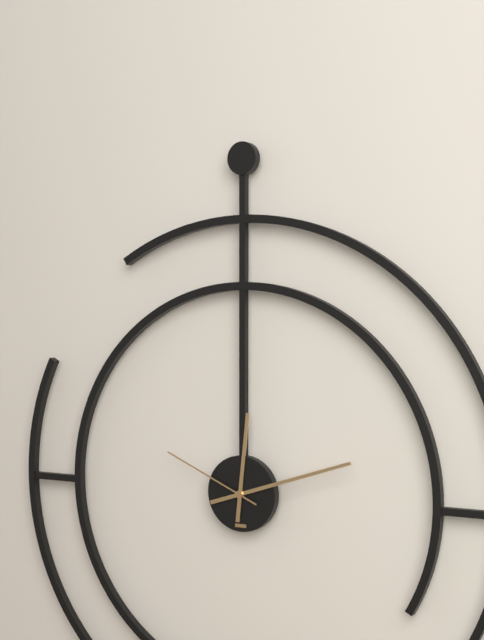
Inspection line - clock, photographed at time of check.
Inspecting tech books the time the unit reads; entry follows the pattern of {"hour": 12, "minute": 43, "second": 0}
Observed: {"hour": 12, "minute": 12, "second": 49}
